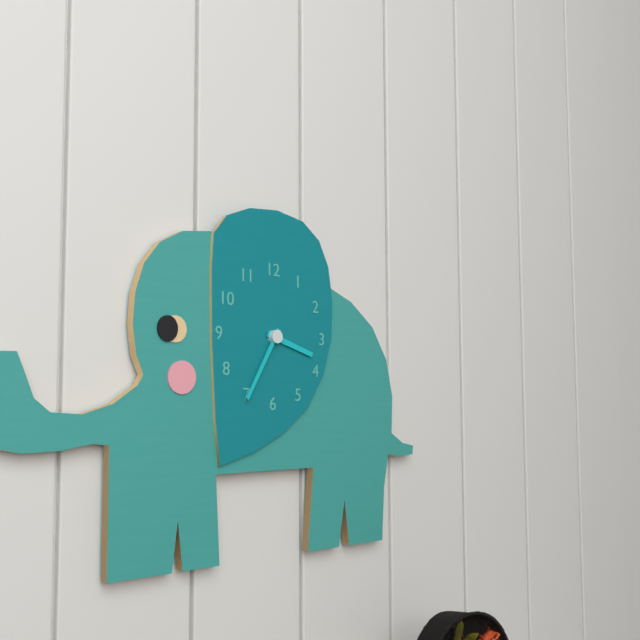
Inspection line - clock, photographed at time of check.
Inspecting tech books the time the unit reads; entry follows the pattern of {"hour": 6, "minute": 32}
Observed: {"hour": 3, "minute": 35}
